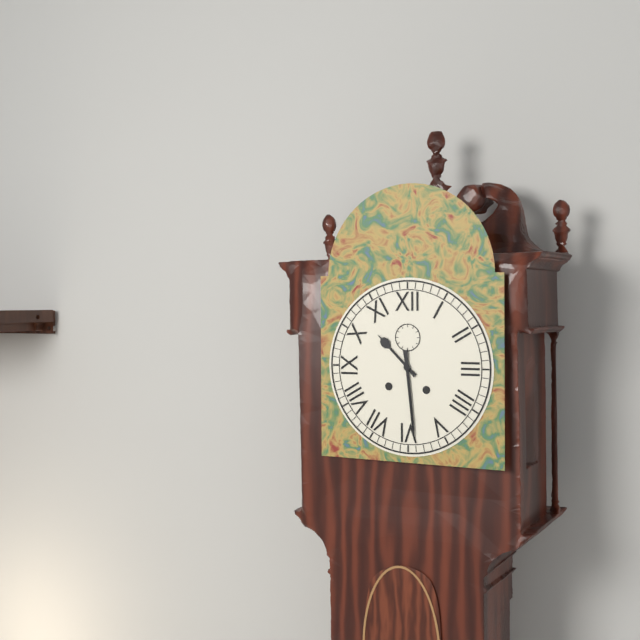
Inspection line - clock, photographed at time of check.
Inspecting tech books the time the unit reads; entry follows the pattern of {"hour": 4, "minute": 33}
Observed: {"hour": 10, "minute": 29}
